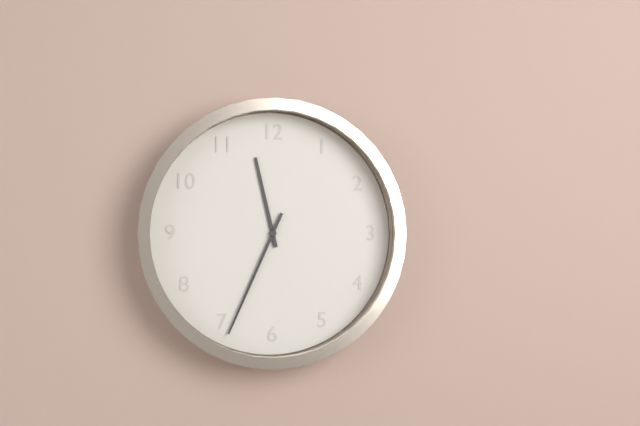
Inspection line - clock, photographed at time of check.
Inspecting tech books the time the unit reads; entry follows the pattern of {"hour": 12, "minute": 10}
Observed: {"hour": 11, "minute": 34}
